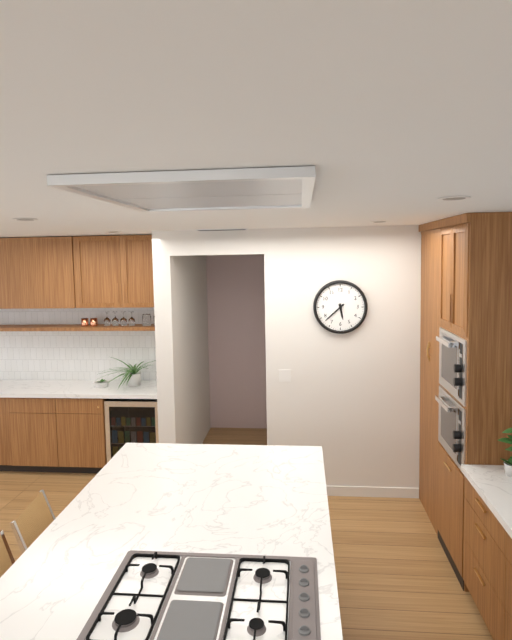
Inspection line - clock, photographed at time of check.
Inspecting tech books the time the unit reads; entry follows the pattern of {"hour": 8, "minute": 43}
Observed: {"hour": 5, "minute": 38}
